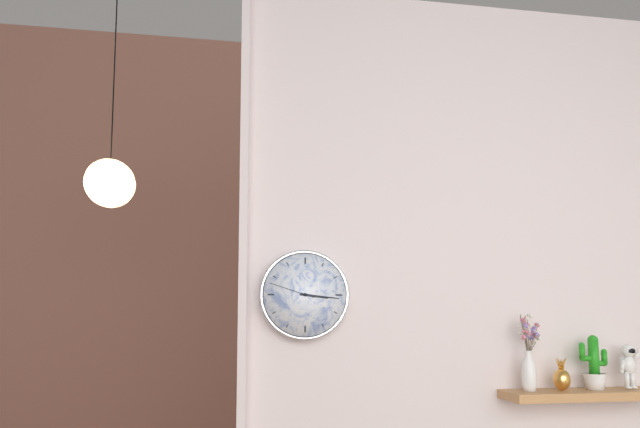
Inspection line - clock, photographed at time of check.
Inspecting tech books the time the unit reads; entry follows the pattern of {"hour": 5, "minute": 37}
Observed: {"hour": 3, "minute": 16}
